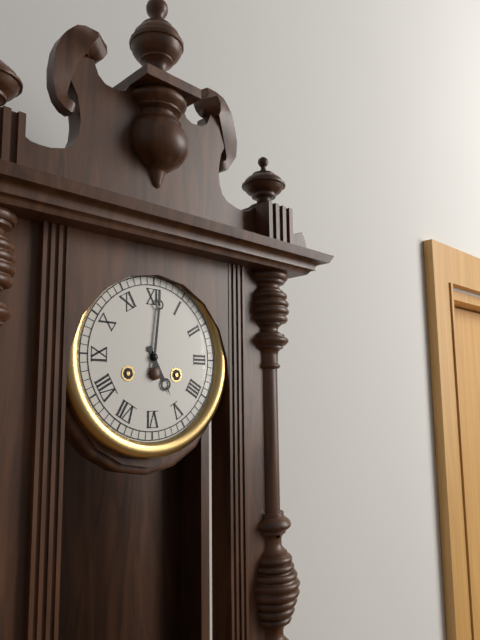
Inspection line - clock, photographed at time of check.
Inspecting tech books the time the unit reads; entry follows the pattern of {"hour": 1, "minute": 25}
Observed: {"hour": 5, "minute": 1}
